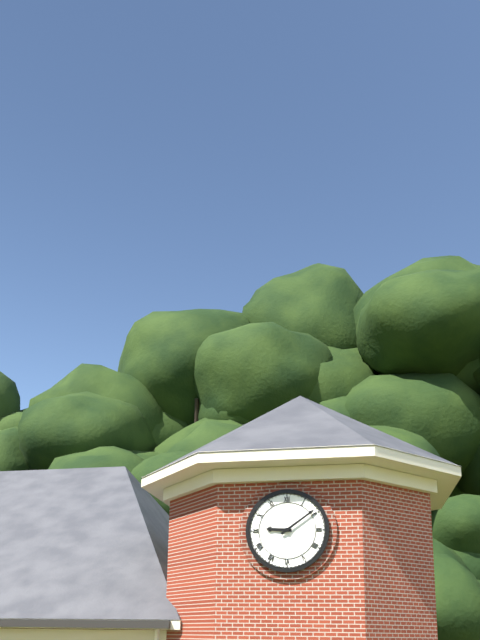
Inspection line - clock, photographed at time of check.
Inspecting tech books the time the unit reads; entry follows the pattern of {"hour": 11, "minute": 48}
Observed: {"hour": 9, "minute": 9}
